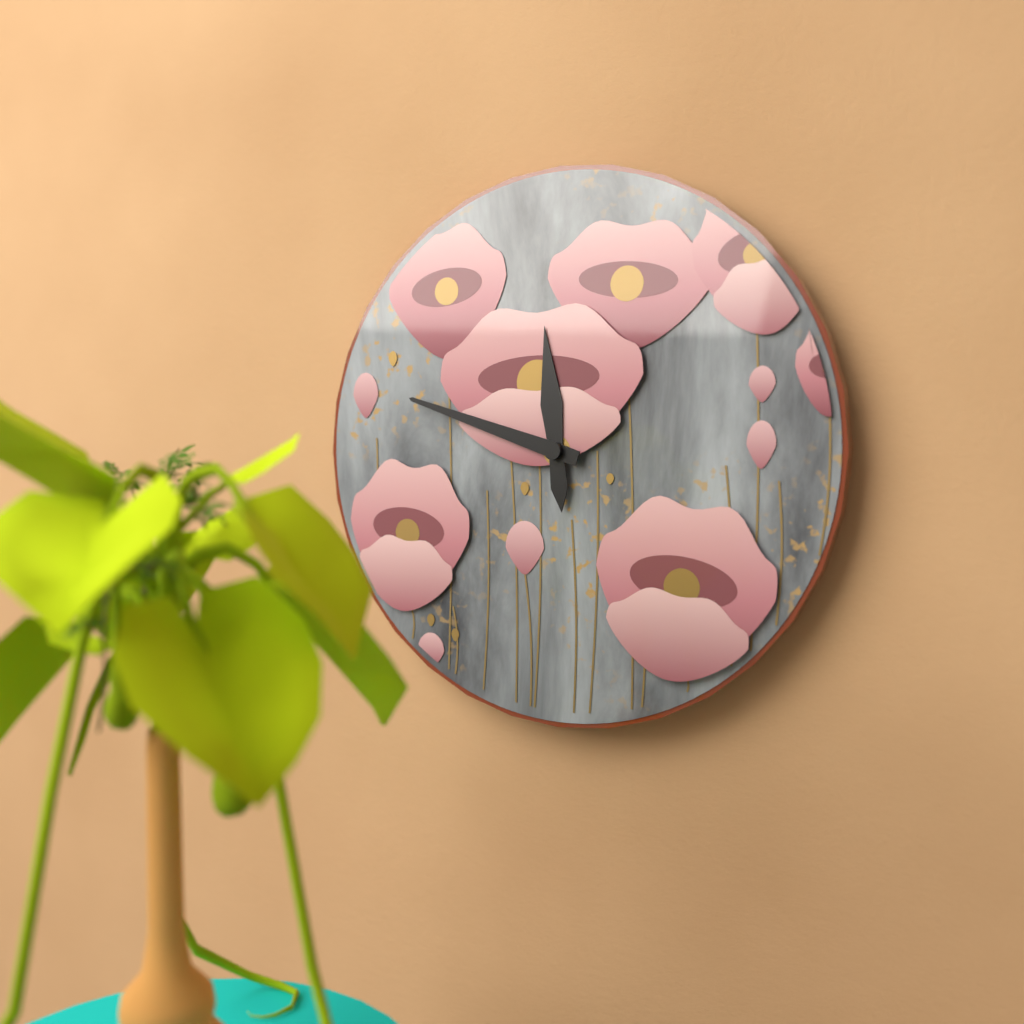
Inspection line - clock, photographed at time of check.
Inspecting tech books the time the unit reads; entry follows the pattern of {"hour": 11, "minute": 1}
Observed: {"hour": 11, "minute": 48}
